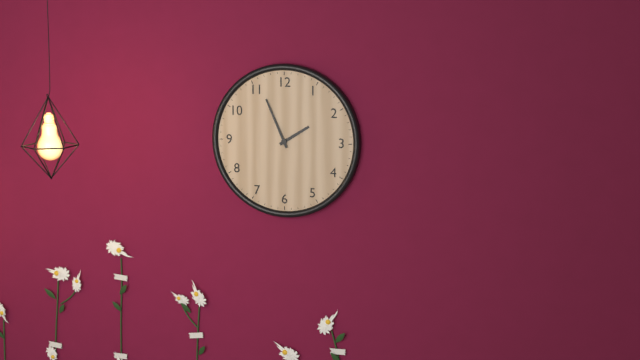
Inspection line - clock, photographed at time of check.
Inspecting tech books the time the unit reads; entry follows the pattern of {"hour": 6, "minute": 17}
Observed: {"hour": 1, "minute": 56}
